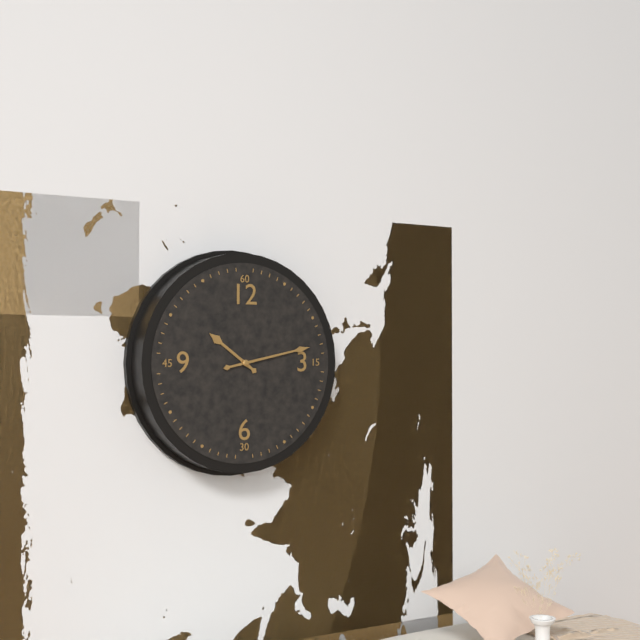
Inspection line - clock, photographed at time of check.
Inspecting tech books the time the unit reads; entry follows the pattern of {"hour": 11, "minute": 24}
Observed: {"hour": 10, "minute": 13}
